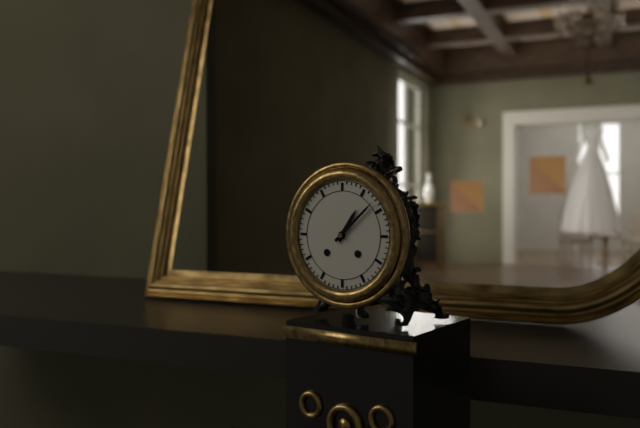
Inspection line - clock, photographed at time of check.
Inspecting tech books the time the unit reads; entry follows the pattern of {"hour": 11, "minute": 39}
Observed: {"hour": 1, "minute": 8}
